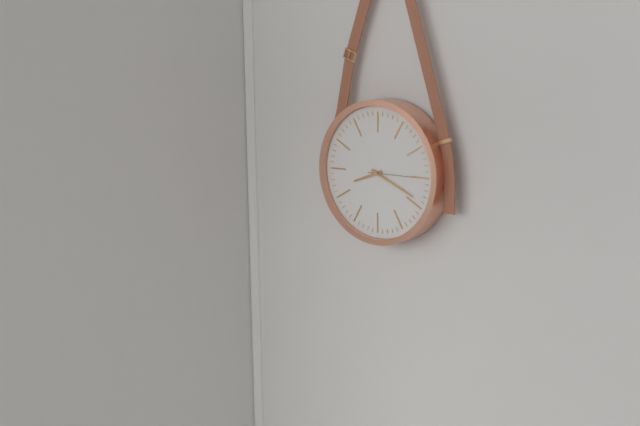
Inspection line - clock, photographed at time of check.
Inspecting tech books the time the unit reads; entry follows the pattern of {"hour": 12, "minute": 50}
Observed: {"hour": 8, "minute": 19}
